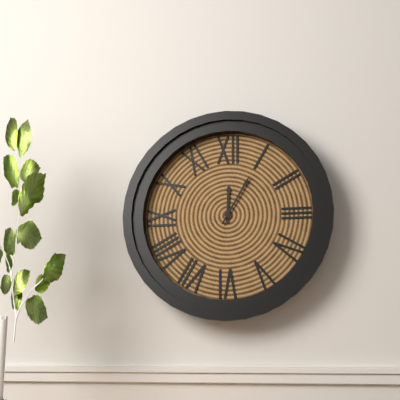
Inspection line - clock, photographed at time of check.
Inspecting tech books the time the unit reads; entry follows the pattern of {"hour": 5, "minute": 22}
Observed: {"hour": 12, "minute": 5}
